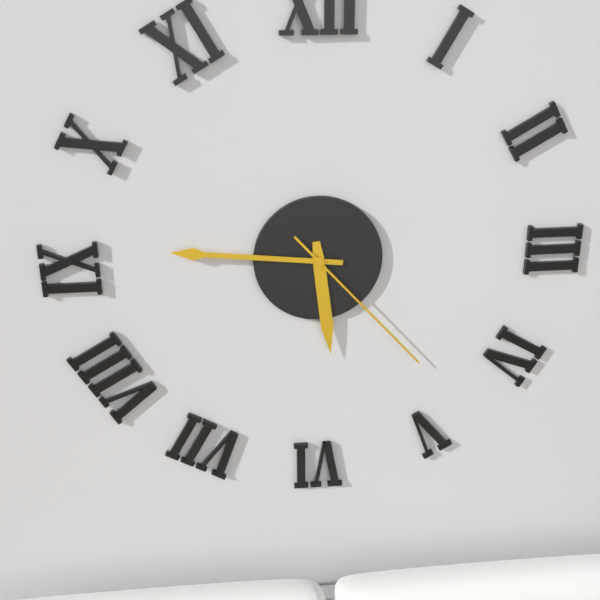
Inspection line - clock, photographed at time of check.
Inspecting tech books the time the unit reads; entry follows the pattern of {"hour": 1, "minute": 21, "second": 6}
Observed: {"hour": 5, "minute": 46, "second": 23}
